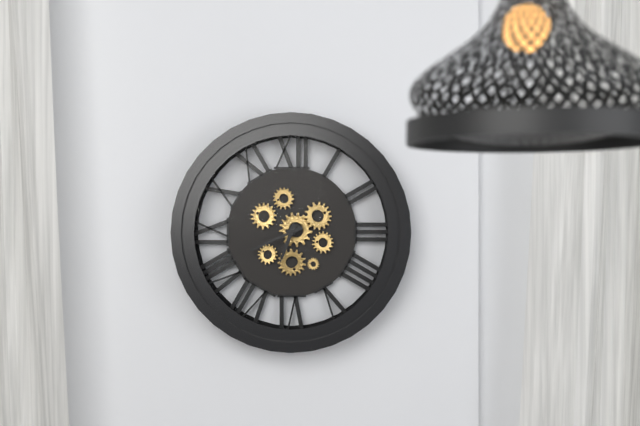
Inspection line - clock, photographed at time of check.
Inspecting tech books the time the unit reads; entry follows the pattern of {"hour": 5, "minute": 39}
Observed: {"hour": 6, "minute": 41}
